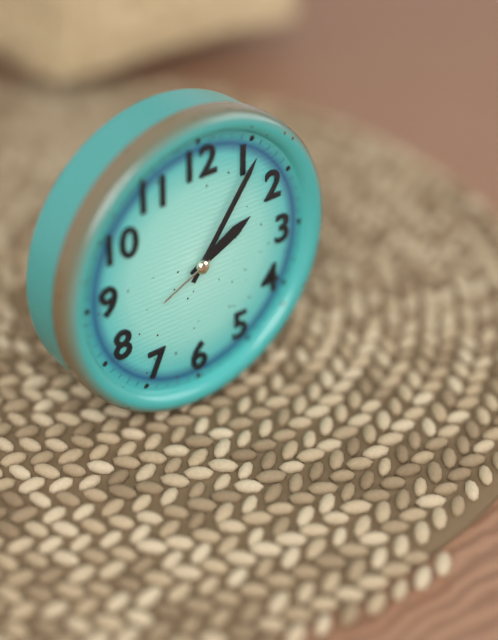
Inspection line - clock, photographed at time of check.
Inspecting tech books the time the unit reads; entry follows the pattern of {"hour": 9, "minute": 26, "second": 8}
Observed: {"hour": 2, "minute": 6, "second": 41}
